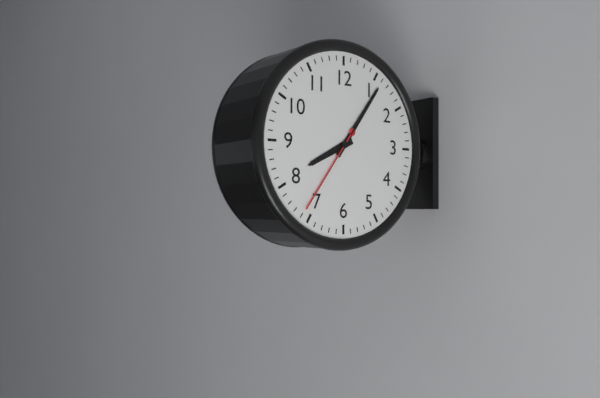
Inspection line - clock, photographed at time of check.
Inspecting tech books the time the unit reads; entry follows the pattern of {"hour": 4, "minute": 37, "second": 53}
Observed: {"hour": 8, "minute": 6, "second": 36}
